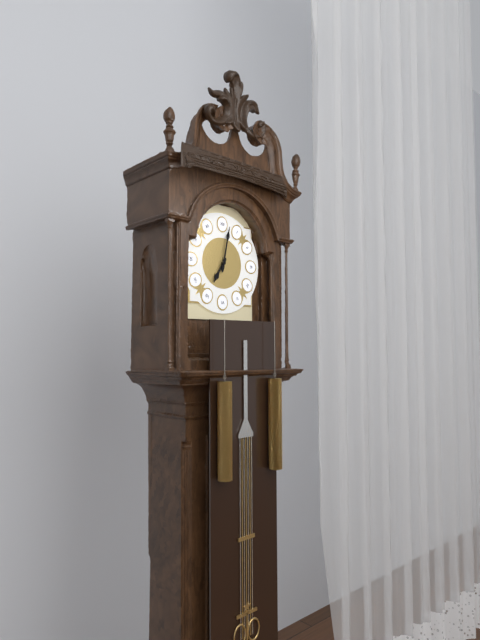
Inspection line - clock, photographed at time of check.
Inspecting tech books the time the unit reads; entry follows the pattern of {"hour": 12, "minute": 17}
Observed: {"hour": 7, "minute": 2}
